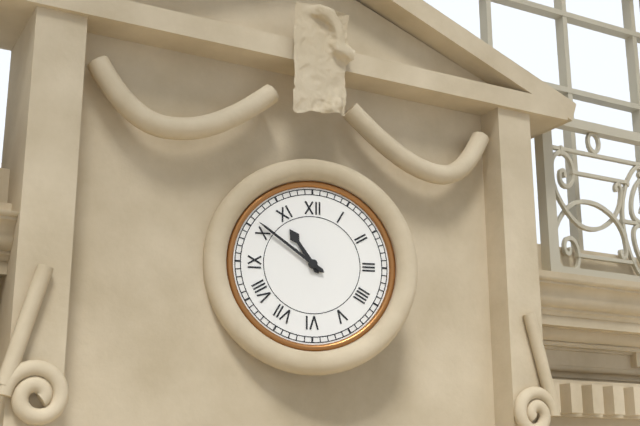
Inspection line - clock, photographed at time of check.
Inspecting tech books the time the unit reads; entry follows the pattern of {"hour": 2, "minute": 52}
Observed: {"hour": 10, "minute": 51}
